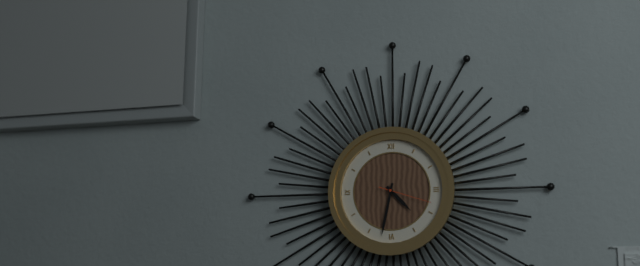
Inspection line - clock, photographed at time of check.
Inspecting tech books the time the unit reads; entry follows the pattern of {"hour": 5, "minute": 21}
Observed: {"hour": 4, "minute": 32}
